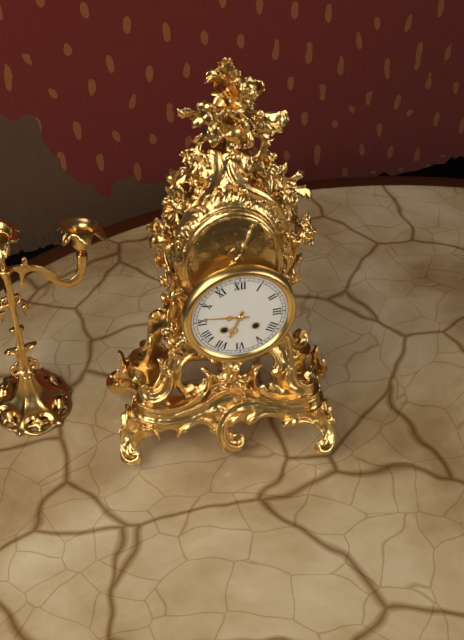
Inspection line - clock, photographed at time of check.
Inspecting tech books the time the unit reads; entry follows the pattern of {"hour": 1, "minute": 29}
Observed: {"hour": 6, "minute": 46}
